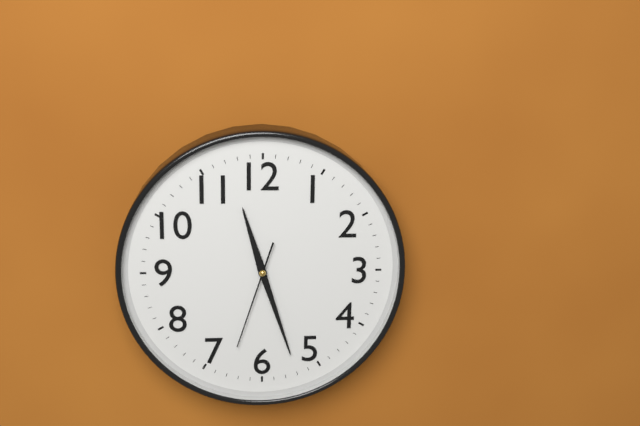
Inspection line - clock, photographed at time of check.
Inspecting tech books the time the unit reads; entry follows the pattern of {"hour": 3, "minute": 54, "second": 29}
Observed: {"hour": 11, "minute": 27, "second": 33}
